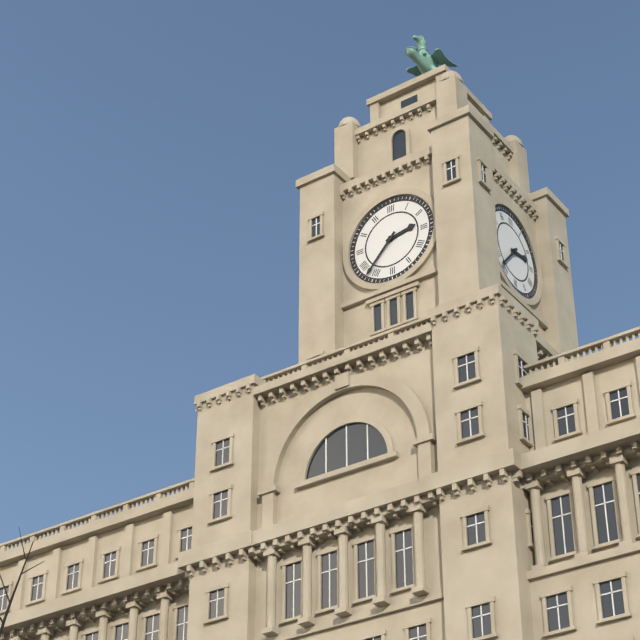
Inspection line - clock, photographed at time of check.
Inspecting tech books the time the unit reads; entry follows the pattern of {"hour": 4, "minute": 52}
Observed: {"hour": 2, "minute": 37}
